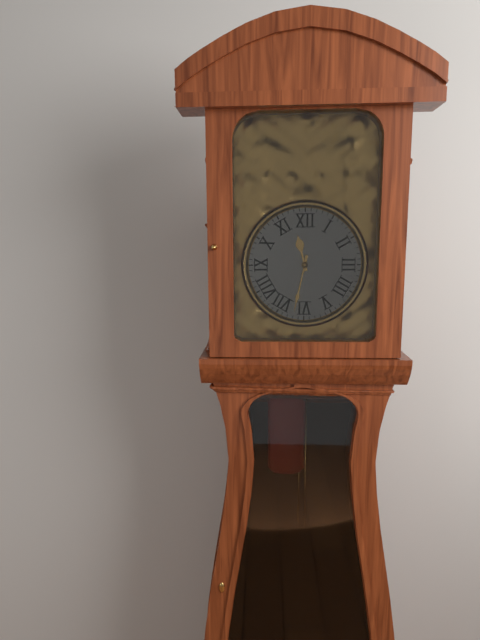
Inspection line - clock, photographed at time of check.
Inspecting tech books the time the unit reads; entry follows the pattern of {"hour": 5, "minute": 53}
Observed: {"hour": 11, "minute": 32}
